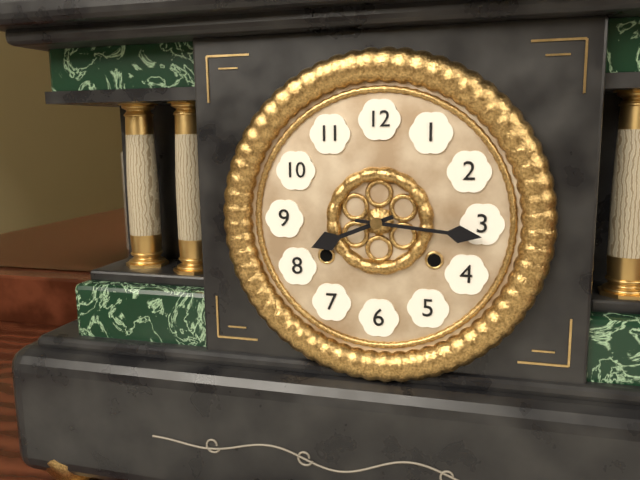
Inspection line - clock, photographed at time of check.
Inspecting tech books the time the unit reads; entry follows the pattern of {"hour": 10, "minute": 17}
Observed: {"hour": 8, "minute": 16}
